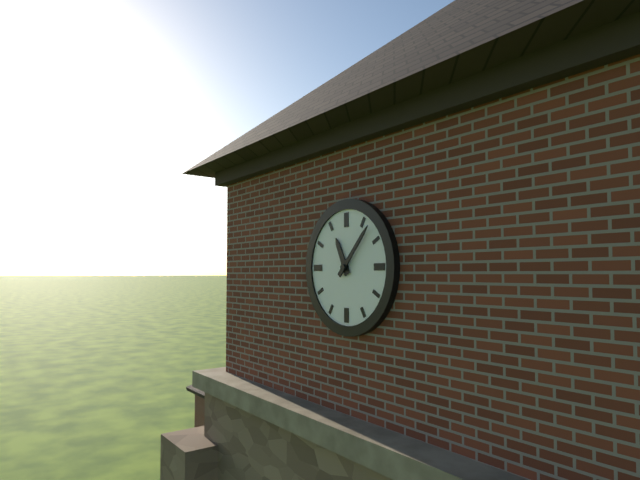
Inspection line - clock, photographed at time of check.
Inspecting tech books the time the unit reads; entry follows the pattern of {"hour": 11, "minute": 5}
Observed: {"hour": 11, "minute": 7}
